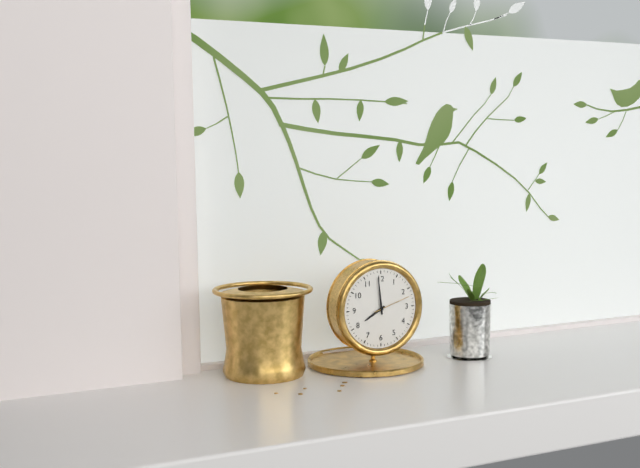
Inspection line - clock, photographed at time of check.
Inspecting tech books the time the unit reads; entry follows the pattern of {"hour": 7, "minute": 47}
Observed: {"hour": 7, "minute": 59}
